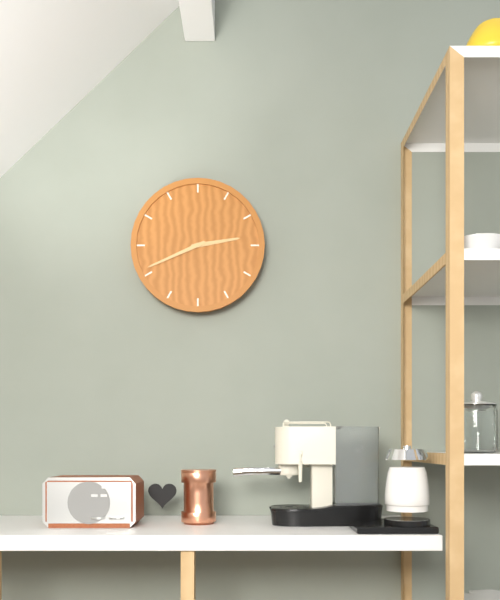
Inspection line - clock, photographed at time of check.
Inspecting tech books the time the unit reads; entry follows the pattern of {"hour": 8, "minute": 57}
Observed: {"hour": 2, "minute": 41}
